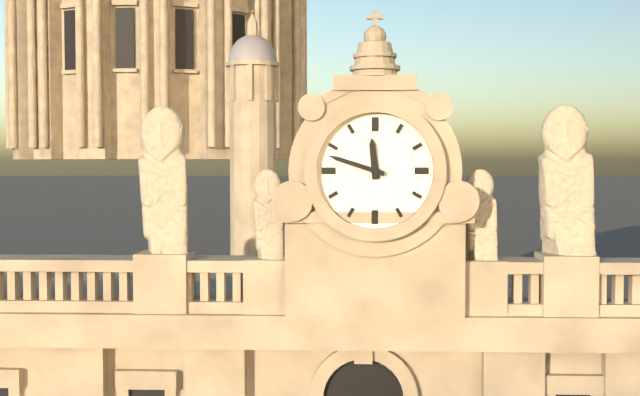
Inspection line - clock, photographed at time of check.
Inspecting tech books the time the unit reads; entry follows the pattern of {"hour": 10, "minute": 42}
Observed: {"hour": 11, "minute": 48}
